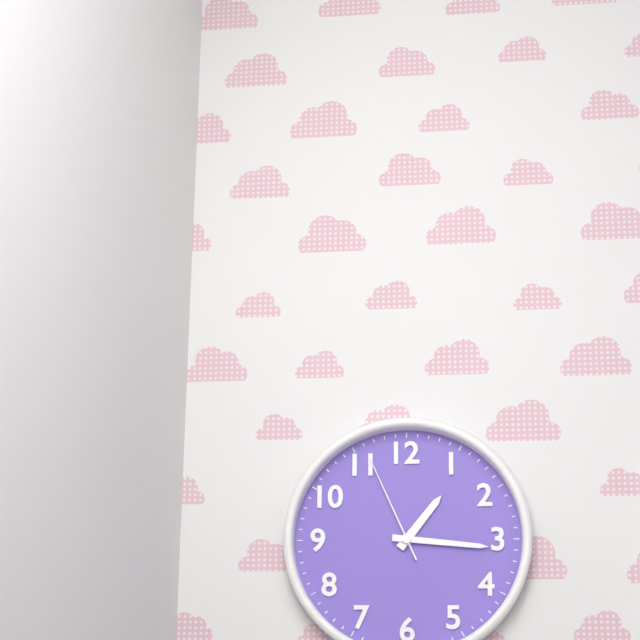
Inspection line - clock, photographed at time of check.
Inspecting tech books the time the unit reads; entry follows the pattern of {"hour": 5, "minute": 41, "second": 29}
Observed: {"hour": 1, "minute": 16, "second": 56}
